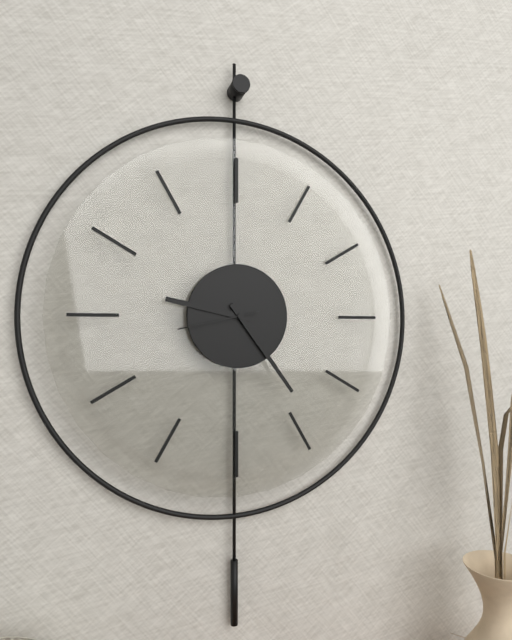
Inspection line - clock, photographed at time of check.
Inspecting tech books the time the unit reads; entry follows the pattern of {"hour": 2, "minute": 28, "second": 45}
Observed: {"hour": 9, "minute": 24, "second": 43}
